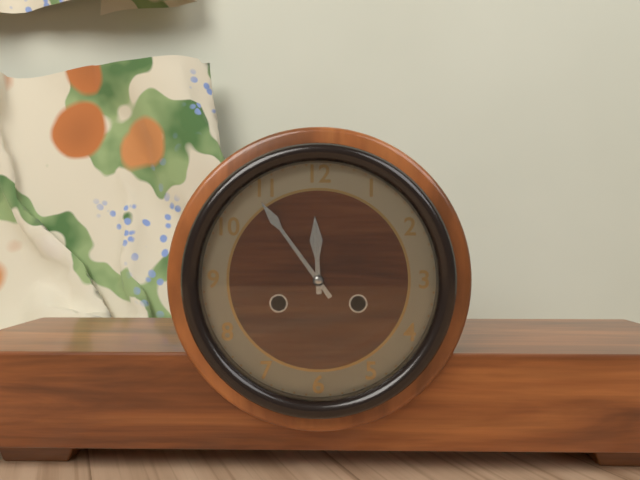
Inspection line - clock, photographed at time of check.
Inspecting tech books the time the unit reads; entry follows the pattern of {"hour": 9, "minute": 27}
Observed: {"hour": 11, "minute": 54}
